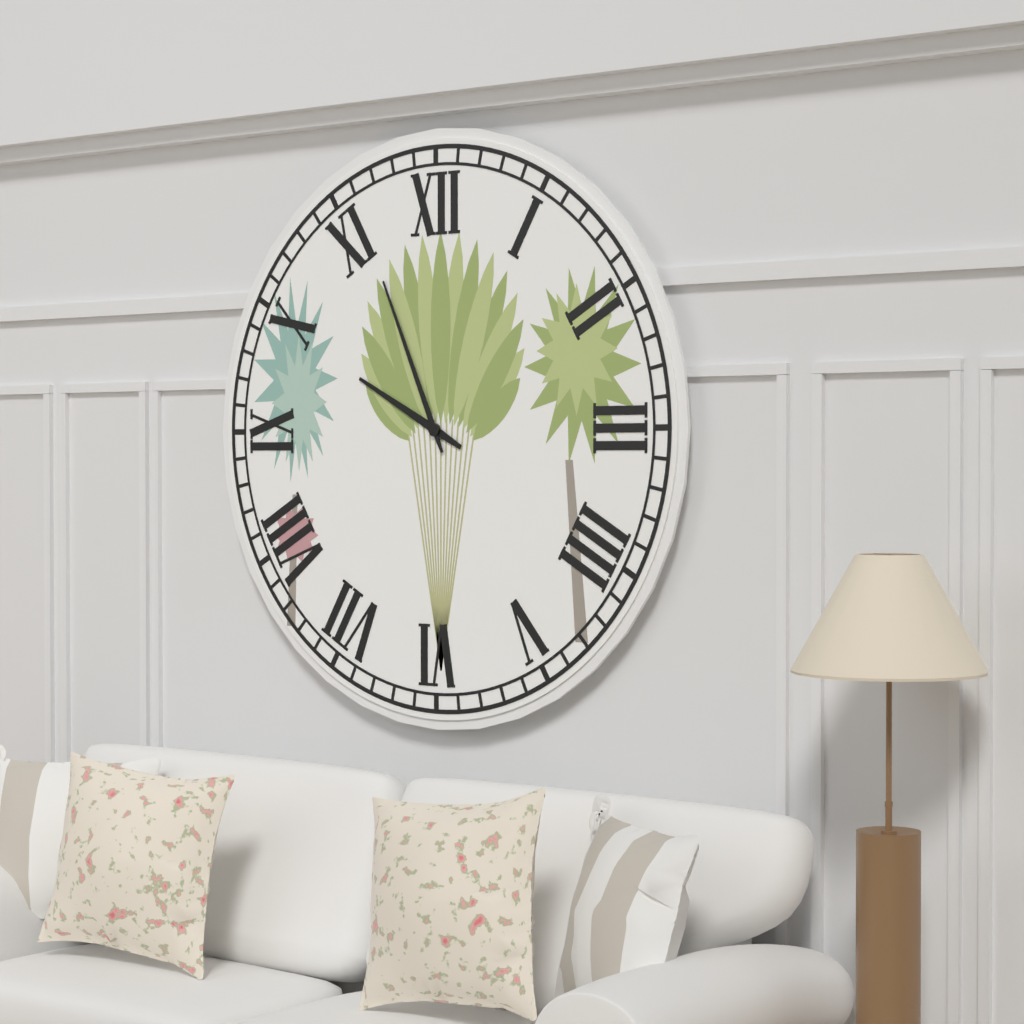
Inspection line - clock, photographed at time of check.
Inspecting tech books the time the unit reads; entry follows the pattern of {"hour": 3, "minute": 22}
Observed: {"hour": 9, "minute": 56}
